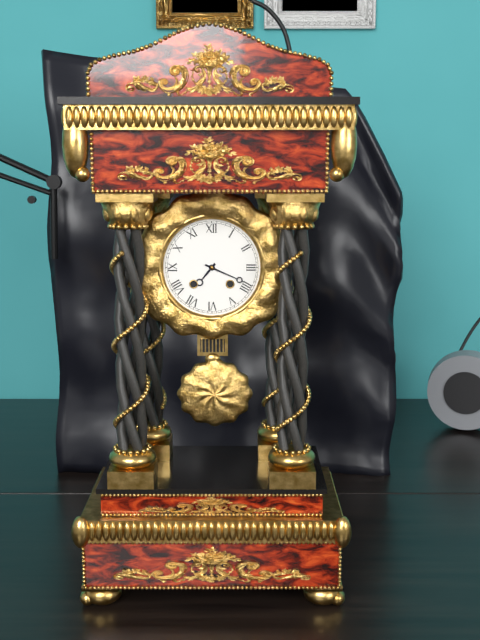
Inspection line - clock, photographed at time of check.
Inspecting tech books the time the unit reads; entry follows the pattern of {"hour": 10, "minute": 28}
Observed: {"hour": 7, "minute": 19}
